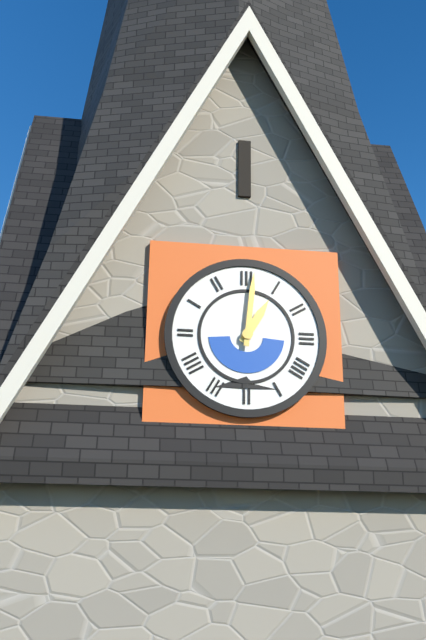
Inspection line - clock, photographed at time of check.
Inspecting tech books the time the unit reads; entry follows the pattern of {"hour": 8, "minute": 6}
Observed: {"hour": 1, "minute": 1}
